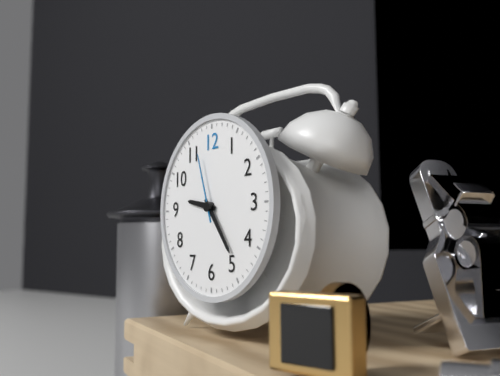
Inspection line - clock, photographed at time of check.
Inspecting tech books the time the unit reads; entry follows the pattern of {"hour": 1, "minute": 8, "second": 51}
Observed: {"hour": 9, "minute": 24, "second": 57}
